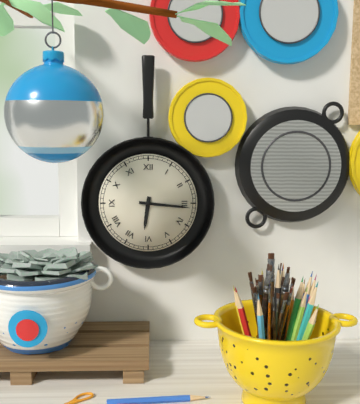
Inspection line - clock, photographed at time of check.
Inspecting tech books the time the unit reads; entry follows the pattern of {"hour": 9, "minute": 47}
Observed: {"hour": 6, "minute": 16}
